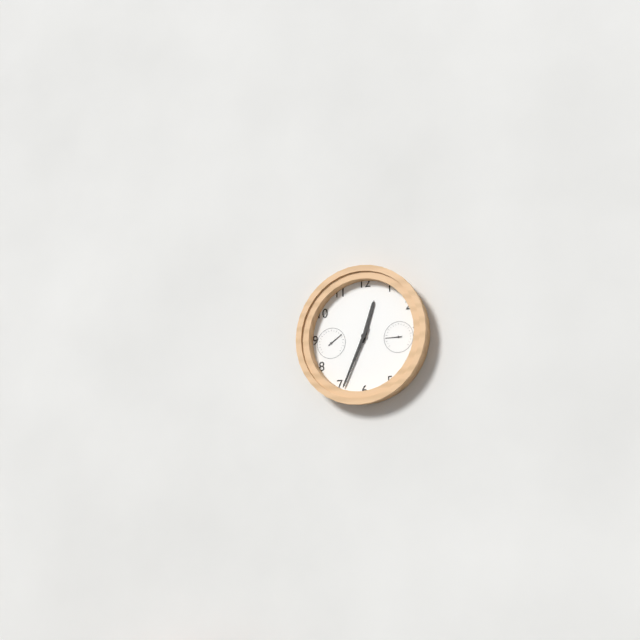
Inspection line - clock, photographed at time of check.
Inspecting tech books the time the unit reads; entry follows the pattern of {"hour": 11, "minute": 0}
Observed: {"hour": 12, "minute": 34}
